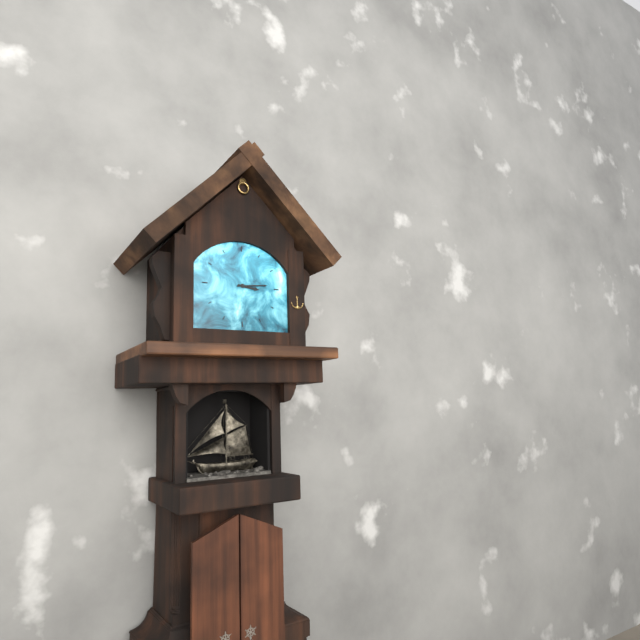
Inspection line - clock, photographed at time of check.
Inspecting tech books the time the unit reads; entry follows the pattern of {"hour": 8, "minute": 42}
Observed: {"hour": 3, "minute": 14}
